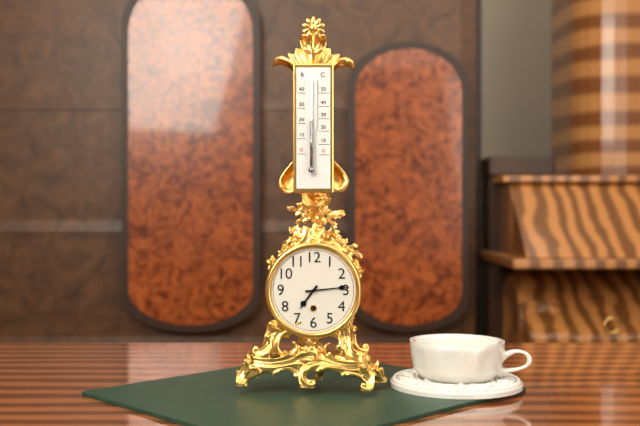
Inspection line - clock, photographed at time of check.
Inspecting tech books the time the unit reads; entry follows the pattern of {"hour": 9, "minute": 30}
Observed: {"hour": 7, "minute": 14}
